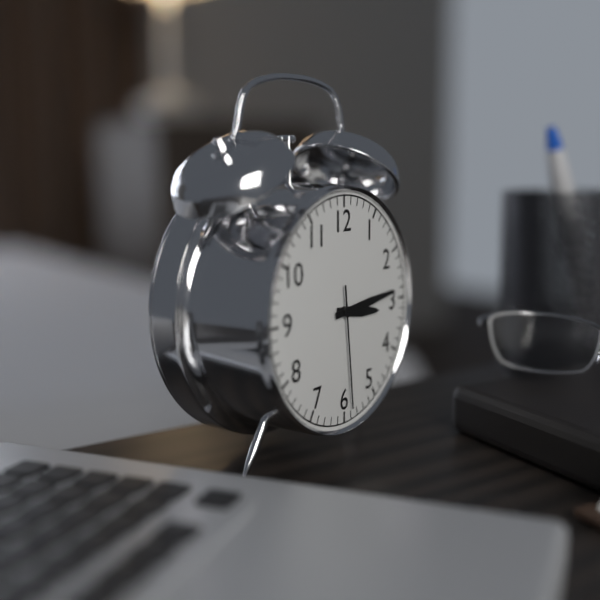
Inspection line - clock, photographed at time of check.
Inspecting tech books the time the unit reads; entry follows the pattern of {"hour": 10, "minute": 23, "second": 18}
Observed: {"hour": 3, "minute": 14, "second": 29}
